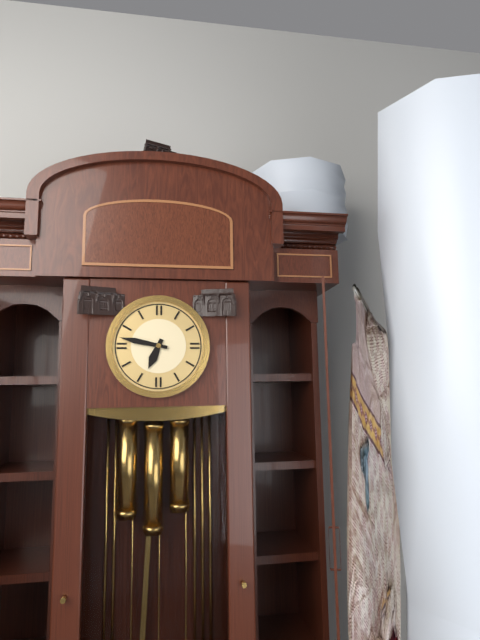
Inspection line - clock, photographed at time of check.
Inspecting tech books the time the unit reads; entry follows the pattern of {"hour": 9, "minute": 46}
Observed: {"hour": 6, "minute": 47}
